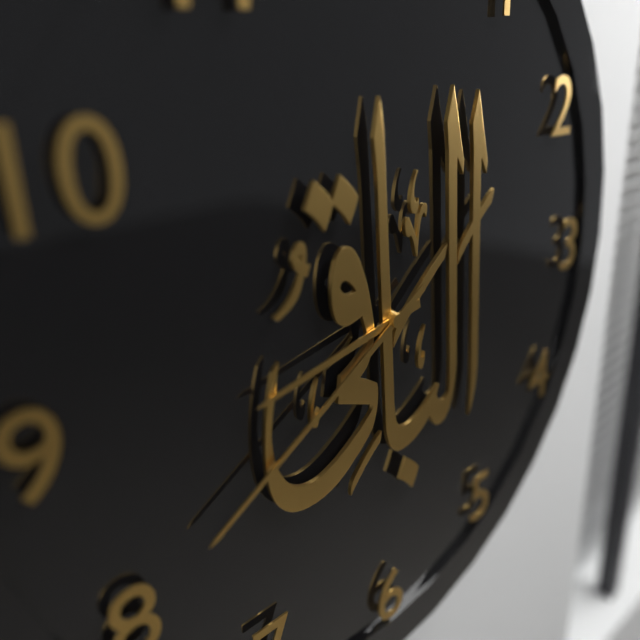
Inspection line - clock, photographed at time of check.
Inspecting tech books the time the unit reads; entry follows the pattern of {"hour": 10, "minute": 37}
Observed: {"hour": 8, "minute": 40}
